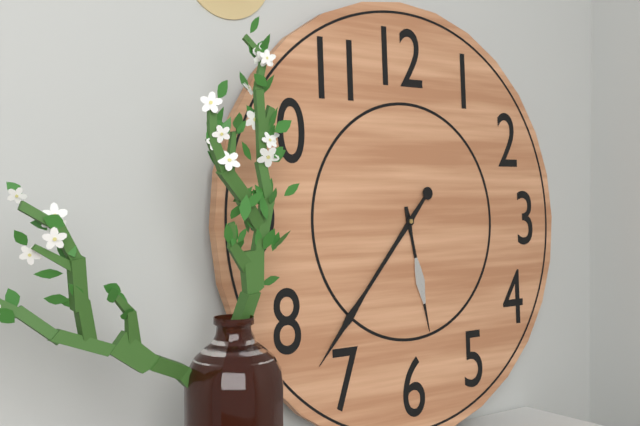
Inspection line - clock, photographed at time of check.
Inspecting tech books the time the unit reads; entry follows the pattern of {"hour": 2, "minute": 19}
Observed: {"hour": 5, "minute": 37}
